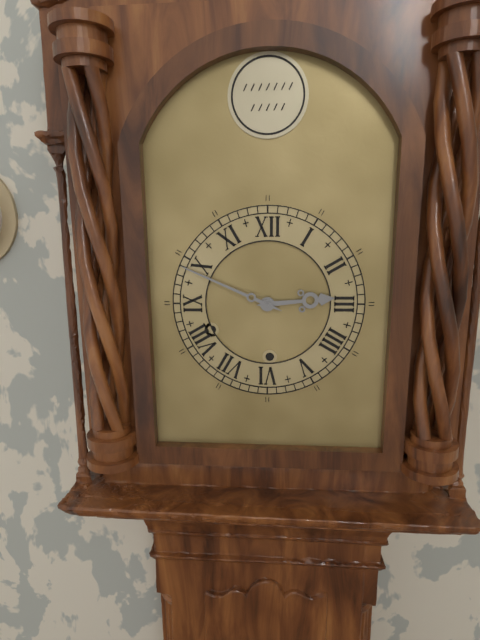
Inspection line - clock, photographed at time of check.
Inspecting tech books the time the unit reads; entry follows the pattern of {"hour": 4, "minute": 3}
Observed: {"hour": 2, "minute": 49}
